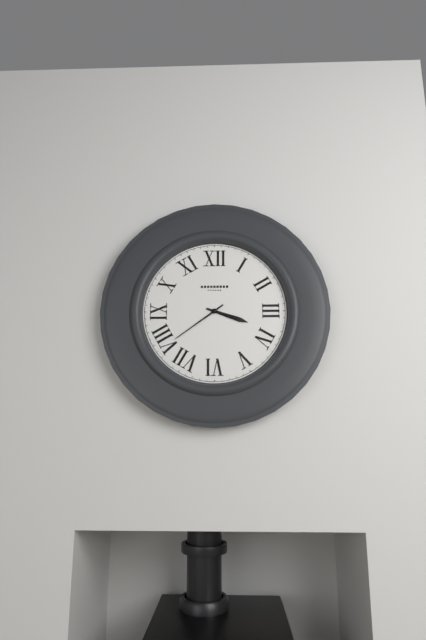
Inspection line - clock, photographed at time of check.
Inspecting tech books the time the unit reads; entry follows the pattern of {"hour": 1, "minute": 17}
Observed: {"hour": 3, "minute": 39}
